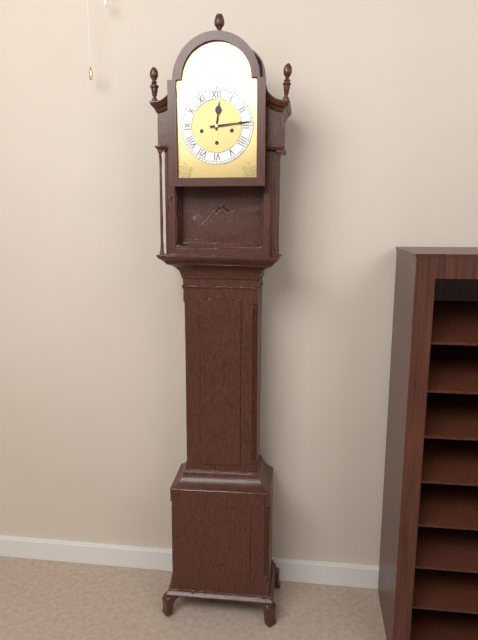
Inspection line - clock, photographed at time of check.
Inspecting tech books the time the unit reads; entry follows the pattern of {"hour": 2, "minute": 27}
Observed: {"hour": 12, "minute": 14}
